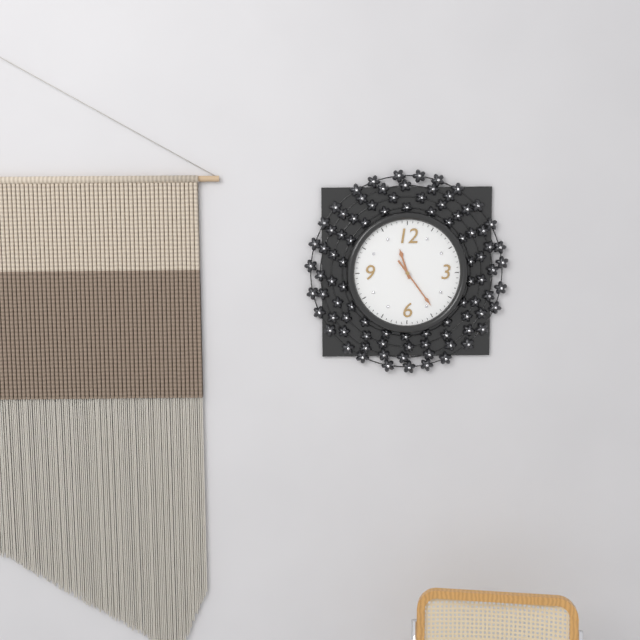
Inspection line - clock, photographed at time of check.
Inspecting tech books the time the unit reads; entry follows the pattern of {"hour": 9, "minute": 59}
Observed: {"hour": 11, "minute": 24}
